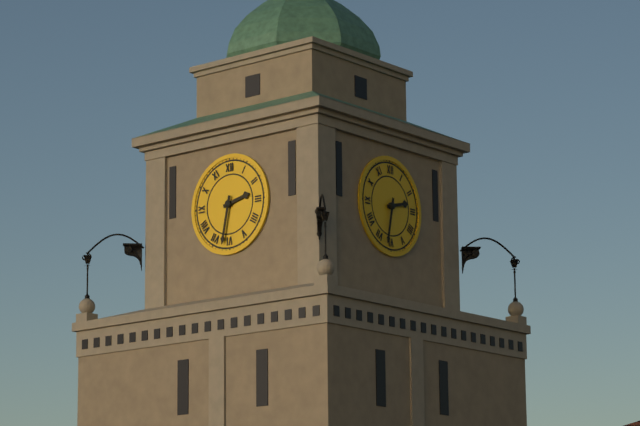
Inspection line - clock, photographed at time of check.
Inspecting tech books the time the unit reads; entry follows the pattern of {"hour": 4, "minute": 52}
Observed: {"hour": 2, "minute": 32}
